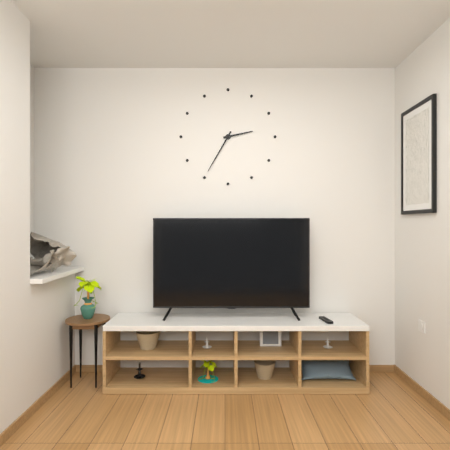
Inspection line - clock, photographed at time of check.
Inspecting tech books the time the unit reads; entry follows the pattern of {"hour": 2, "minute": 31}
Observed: {"hour": 2, "minute": 35}
